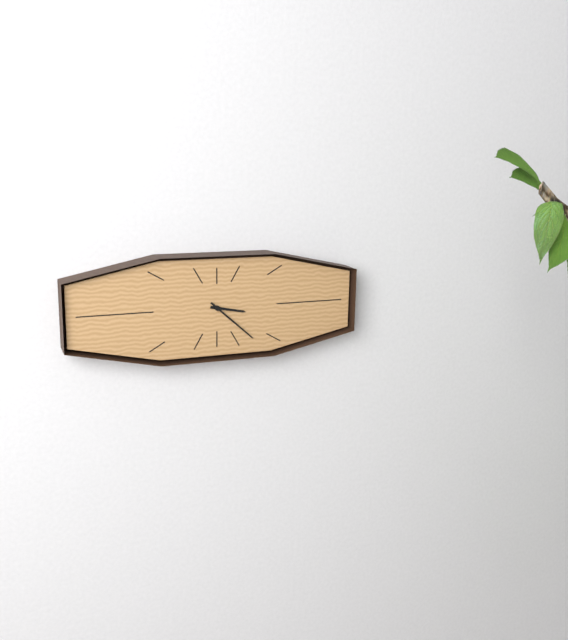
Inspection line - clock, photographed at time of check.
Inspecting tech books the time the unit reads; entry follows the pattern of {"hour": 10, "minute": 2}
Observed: {"hour": 3, "minute": 22}
